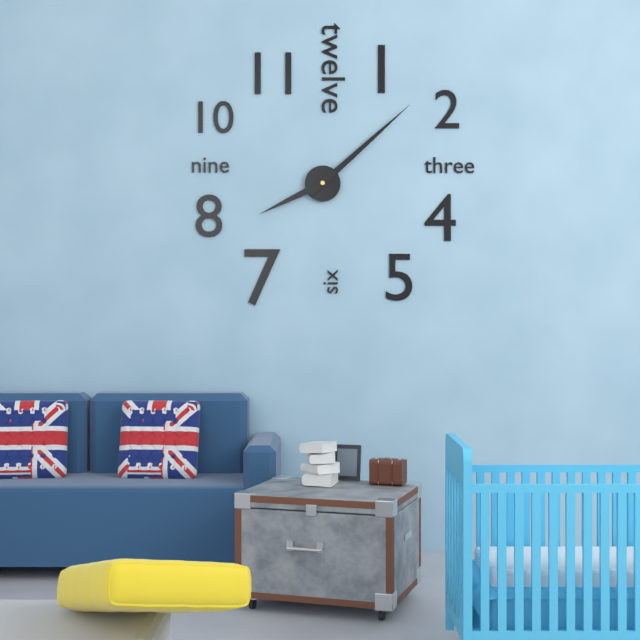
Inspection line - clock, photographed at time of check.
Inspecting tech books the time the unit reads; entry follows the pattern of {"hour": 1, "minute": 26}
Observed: {"hour": 8, "minute": 8}
